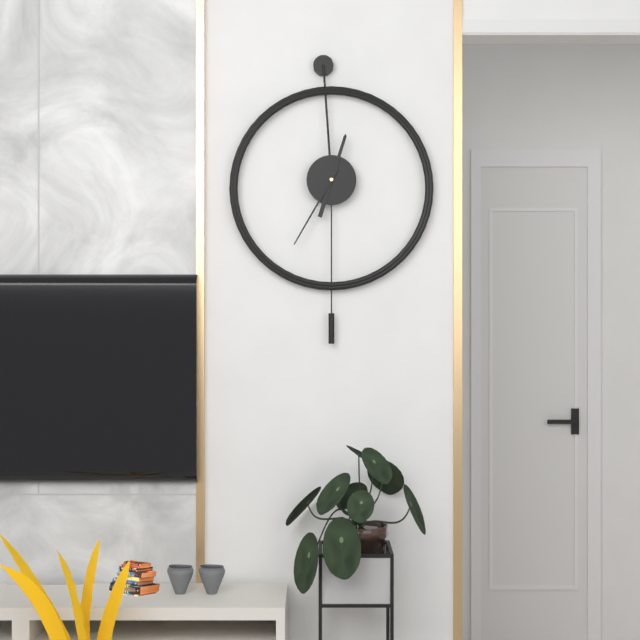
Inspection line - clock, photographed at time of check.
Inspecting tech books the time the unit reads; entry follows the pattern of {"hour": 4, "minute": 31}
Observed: {"hour": 12, "minute": 35}
